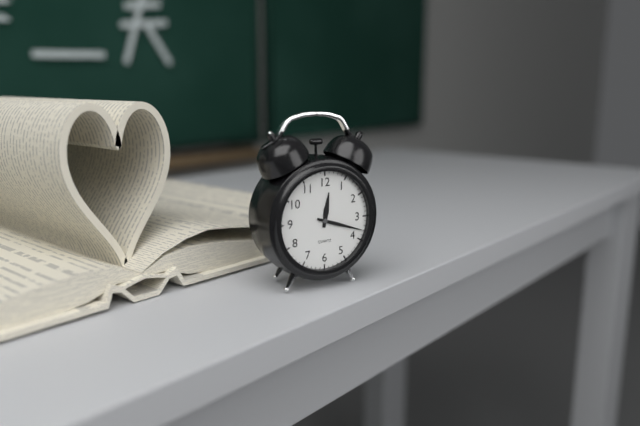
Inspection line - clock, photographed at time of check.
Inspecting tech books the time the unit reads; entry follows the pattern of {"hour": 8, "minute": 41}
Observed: {"hour": 12, "minute": 18}
